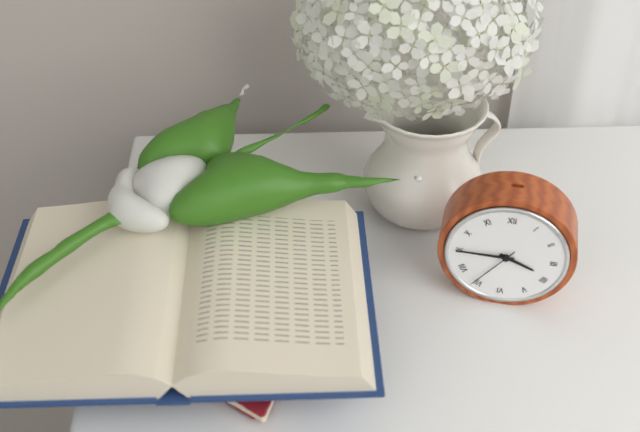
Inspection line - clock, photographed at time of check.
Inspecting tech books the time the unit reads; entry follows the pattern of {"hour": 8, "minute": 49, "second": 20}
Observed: {"hour": 3, "minute": 45, "second": 36}
